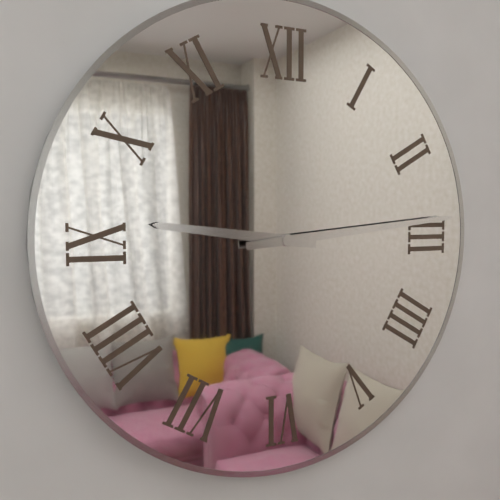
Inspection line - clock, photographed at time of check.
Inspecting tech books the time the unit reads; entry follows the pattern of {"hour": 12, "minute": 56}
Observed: {"hour": 9, "minute": 14}
